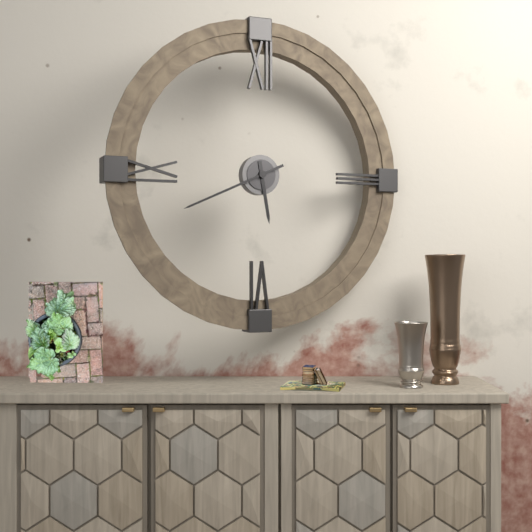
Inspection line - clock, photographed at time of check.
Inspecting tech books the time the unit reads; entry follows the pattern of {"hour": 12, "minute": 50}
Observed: {"hour": 5, "minute": 41}
